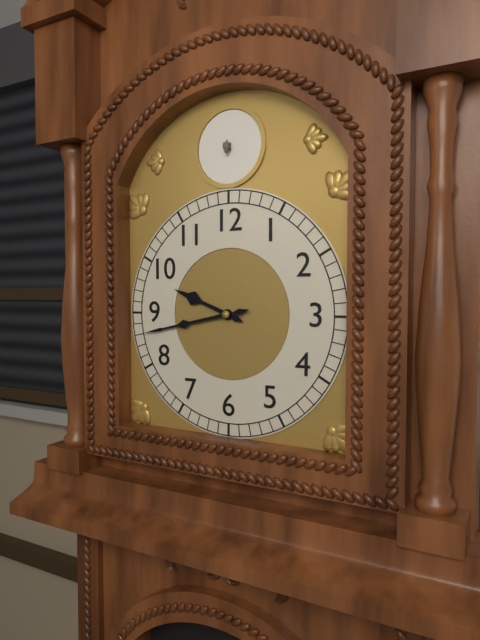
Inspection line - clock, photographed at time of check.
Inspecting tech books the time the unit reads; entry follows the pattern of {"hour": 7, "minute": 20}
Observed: {"hour": 9, "minute": 43}
